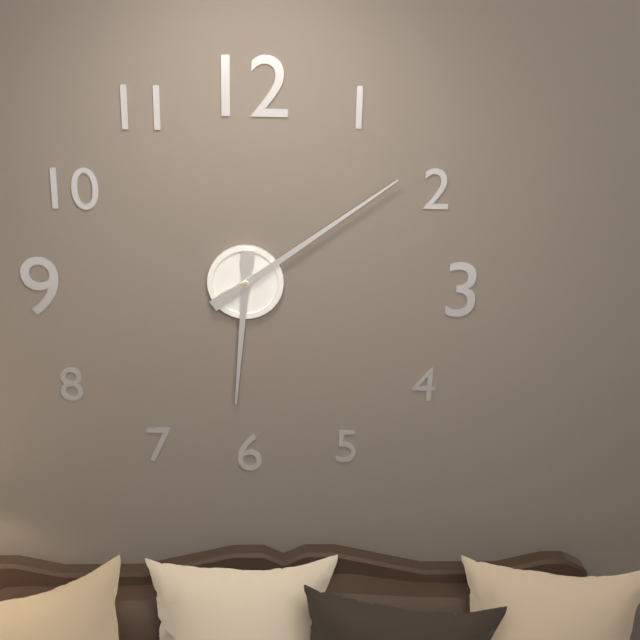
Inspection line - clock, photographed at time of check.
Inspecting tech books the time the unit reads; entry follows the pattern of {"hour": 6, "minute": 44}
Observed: {"hour": 6, "minute": 9}
